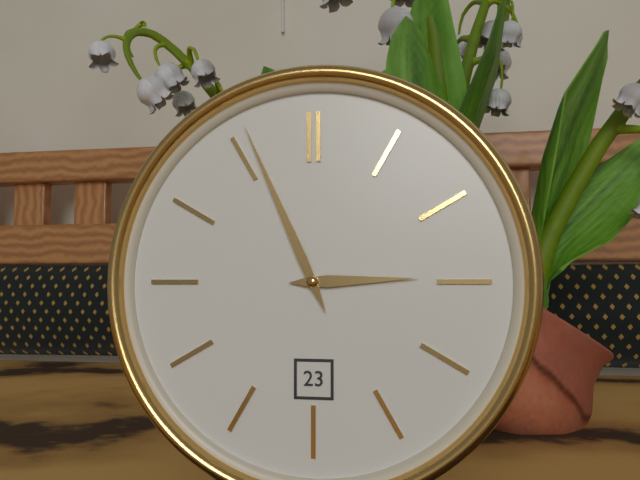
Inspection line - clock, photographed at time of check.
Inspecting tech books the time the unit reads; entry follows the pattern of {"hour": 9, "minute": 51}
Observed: {"hour": 2, "minute": 56}
